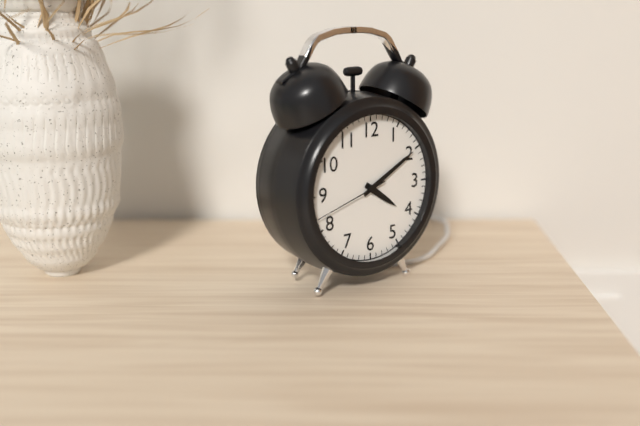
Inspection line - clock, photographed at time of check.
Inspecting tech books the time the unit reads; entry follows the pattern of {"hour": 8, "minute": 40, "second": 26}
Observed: {"hour": 4, "minute": 10, "second": 42}
